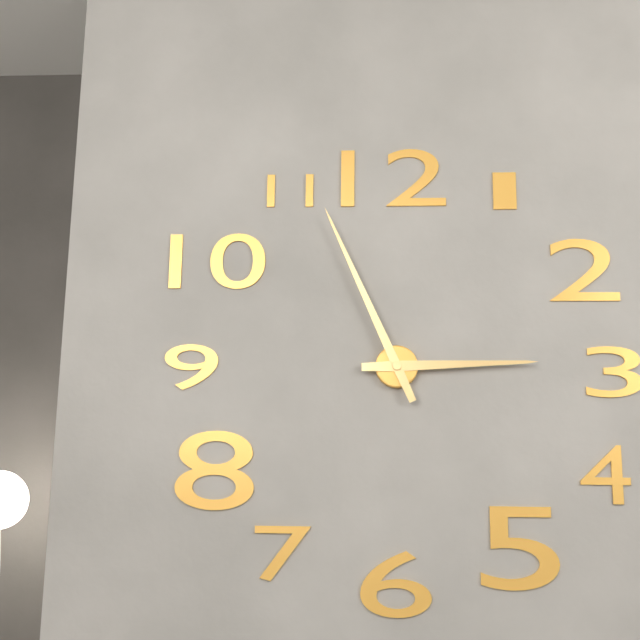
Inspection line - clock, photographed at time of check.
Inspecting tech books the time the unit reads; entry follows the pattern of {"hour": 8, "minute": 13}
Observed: {"hour": 2, "minute": 56}
